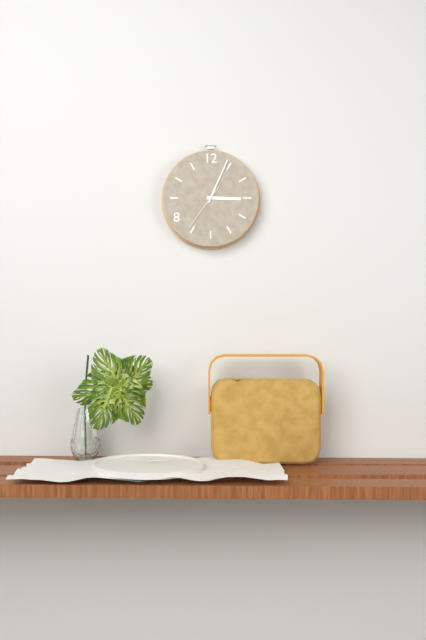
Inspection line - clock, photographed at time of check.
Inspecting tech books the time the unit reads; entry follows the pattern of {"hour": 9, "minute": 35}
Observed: {"hour": 3, "minute": 4}
